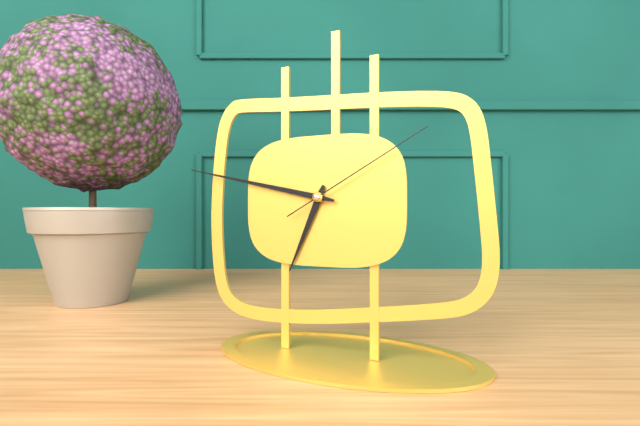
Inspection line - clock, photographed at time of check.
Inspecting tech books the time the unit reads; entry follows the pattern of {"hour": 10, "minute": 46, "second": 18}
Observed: {"hour": 6, "minute": 47, "second": 10}
